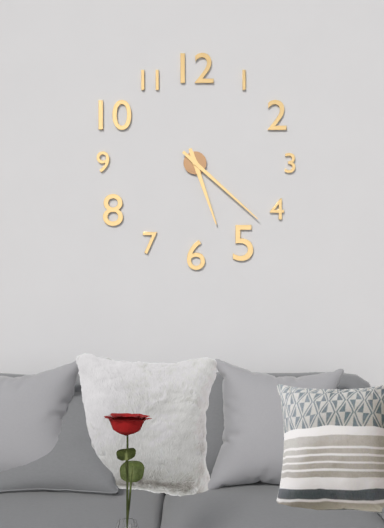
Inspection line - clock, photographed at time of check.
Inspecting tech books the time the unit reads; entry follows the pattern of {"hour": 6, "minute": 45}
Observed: {"hour": 5, "minute": 22}
